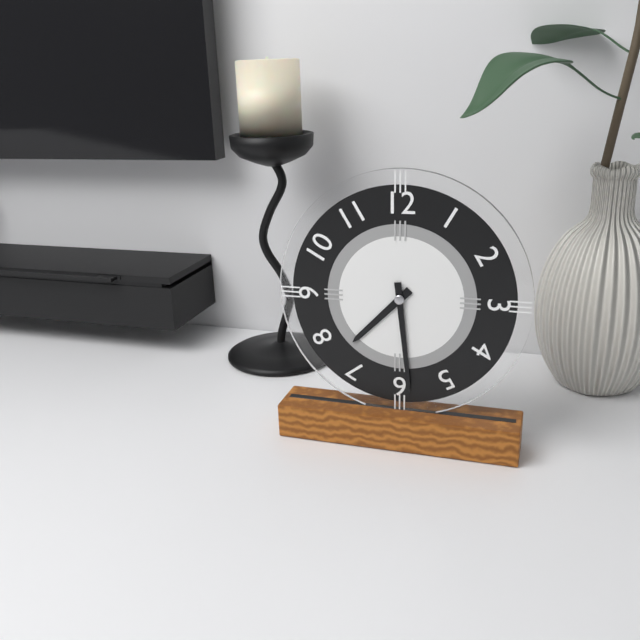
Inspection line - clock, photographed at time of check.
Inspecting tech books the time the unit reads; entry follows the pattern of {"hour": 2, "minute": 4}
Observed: {"hour": 7, "minute": 29}
